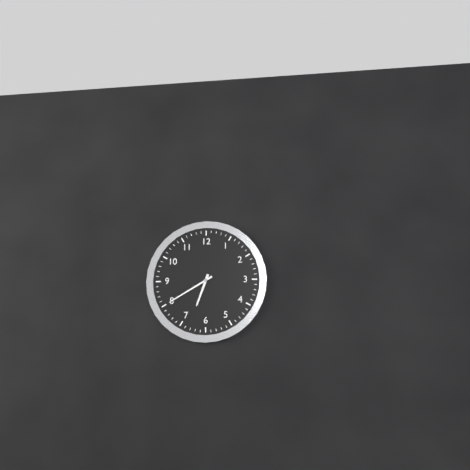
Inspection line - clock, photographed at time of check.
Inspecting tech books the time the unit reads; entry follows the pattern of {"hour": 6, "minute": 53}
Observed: {"hour": 6, "minute": 40}
